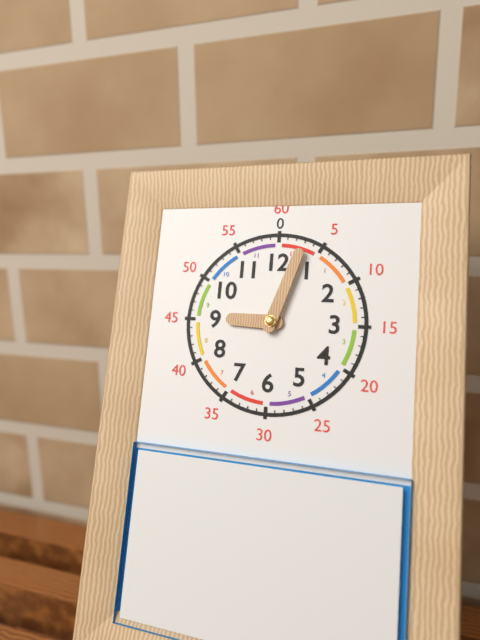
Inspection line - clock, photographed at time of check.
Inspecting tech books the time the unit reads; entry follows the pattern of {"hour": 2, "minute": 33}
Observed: {"hour": 9, "minute": 3}
